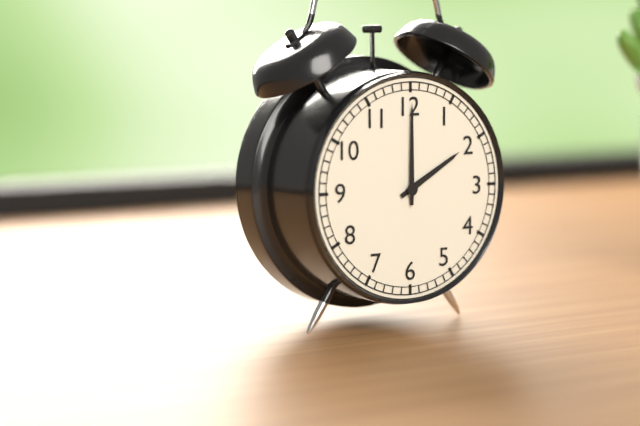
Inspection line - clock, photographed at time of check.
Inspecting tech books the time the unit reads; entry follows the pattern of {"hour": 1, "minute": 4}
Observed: {"hour": 2, "minute": 0}
